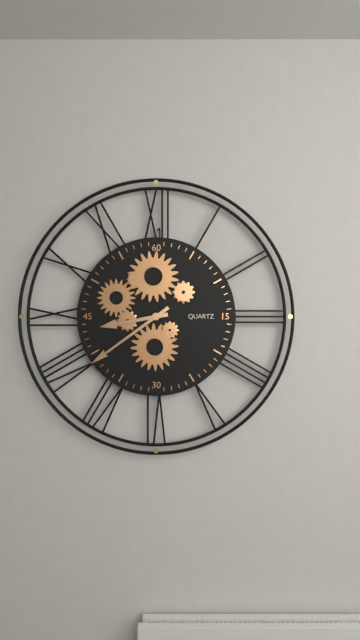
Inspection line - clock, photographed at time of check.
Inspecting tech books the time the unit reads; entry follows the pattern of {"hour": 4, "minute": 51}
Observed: {"hour": 8, "minute": 39}
